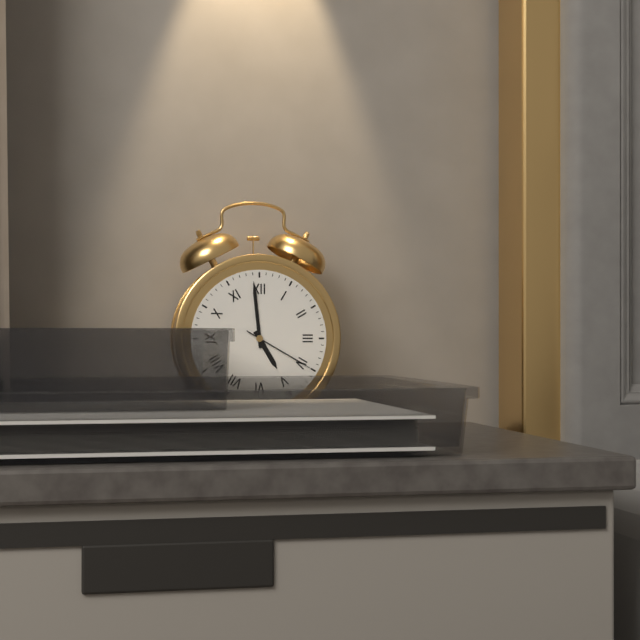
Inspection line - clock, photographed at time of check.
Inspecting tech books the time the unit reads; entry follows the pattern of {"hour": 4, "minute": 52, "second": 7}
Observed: {"hour": 4, "minute": 59, "second": 20}
